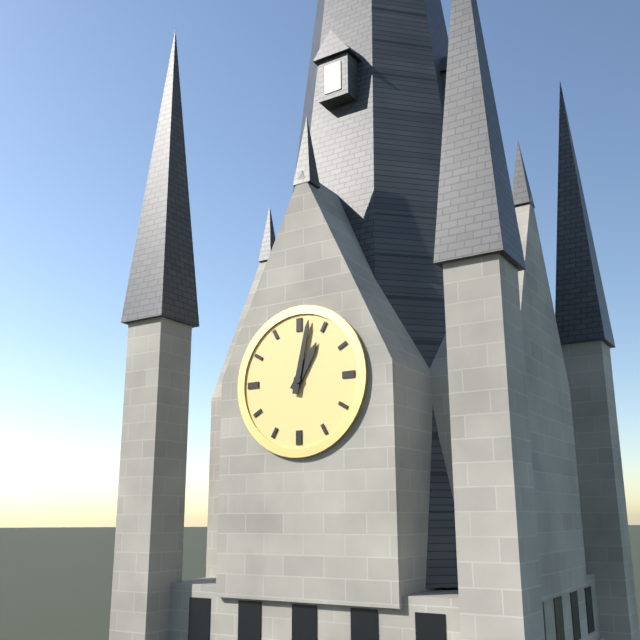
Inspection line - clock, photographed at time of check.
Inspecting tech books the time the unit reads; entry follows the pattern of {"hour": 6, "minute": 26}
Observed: {"hour": 1, "minute": 2}
